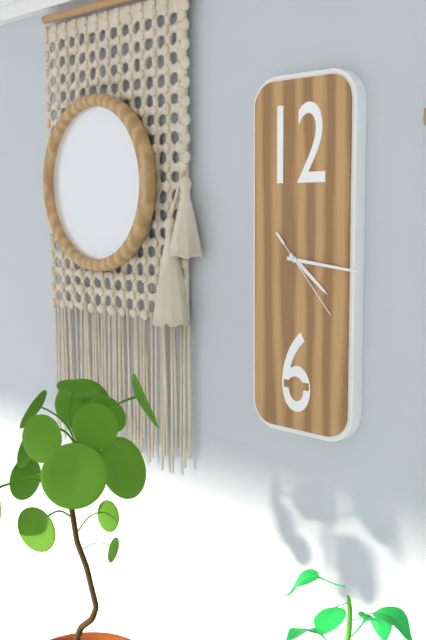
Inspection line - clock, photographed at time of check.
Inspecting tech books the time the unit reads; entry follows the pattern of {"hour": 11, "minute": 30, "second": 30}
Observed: {"hour": 4, "minute": 16, "second": 23}
